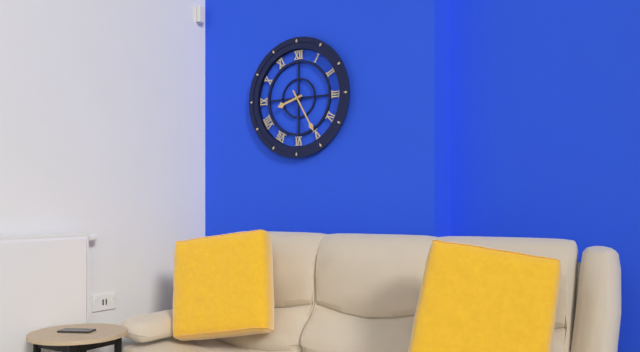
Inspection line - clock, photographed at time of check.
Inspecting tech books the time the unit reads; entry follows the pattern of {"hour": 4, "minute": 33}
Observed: {"hour": 8, "minute": 25}
